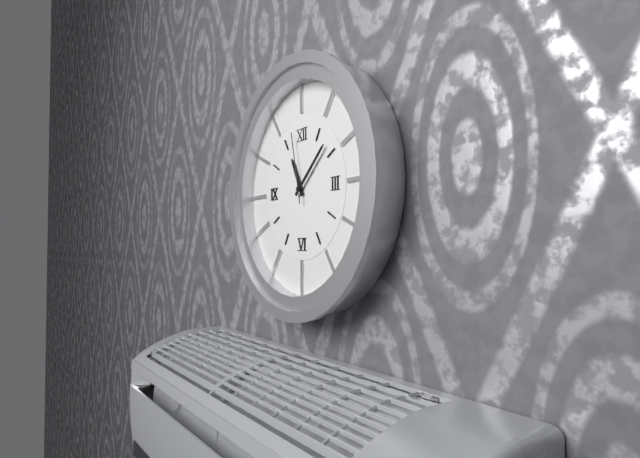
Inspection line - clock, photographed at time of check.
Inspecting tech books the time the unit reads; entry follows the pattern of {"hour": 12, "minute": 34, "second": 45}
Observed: {"hour": 11, "minute": 8, "second": 58}
